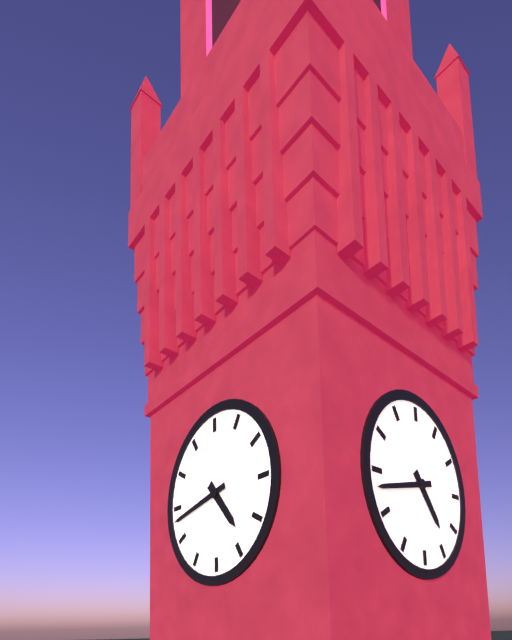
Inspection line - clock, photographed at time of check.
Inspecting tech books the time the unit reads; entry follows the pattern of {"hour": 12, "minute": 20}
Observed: {"hour": 4, "minute": 43}
